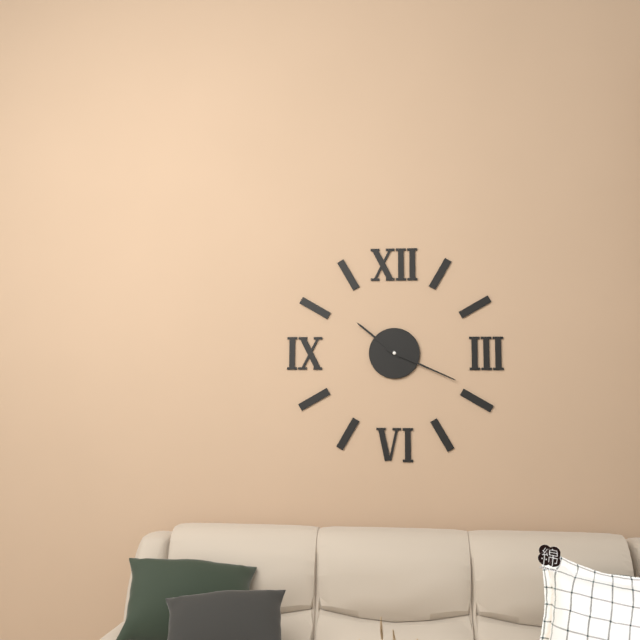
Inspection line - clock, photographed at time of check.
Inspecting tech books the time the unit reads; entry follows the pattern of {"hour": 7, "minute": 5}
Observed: {"hour": 10, "minute": 19}
